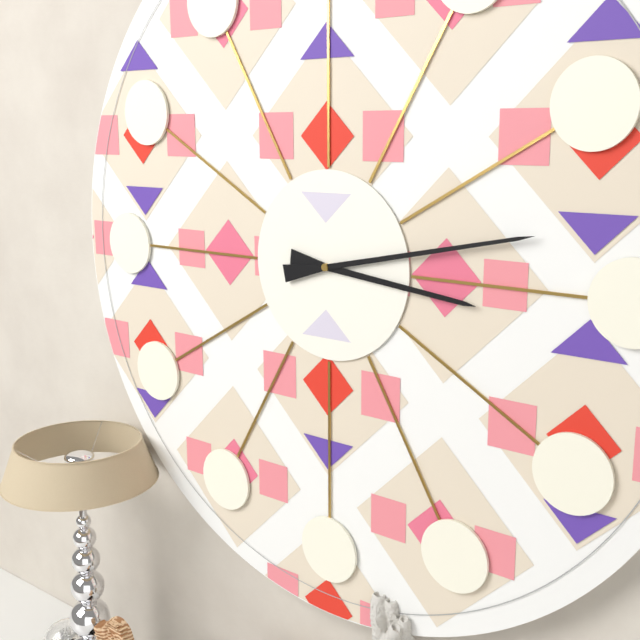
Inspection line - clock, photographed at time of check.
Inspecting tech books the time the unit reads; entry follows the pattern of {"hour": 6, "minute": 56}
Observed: {"hour": 3, "minute": 13}
